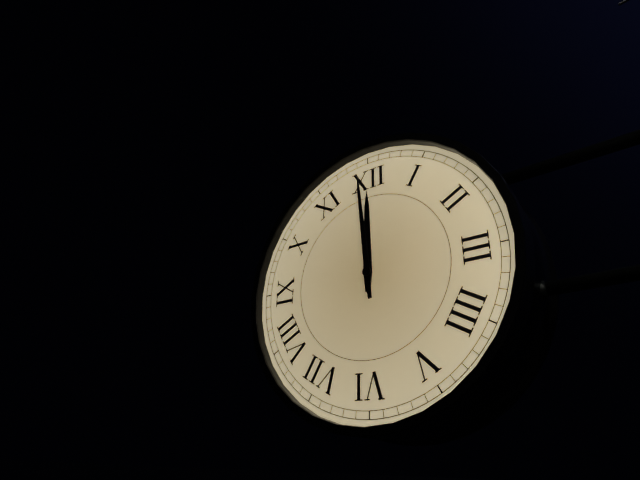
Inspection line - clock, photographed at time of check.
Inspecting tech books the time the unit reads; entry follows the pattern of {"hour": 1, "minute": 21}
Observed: {"hour": 11, "minute": 59}
